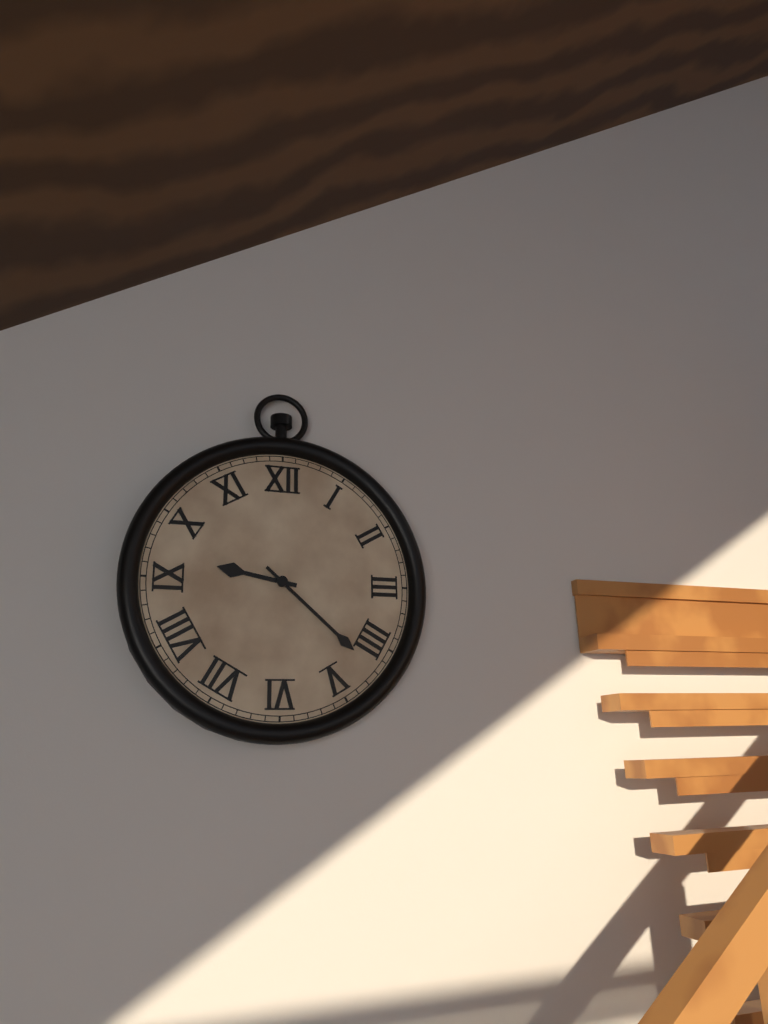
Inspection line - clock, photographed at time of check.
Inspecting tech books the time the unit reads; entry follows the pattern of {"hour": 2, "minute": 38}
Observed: {"hour": 9, "minute": 22}
